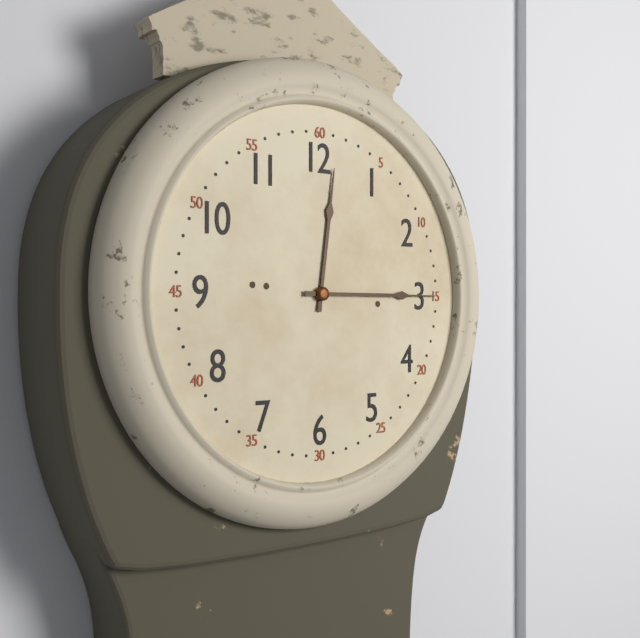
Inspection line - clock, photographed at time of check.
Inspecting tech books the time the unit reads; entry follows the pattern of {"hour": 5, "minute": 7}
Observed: {"hour": 12, "minute": 15}
